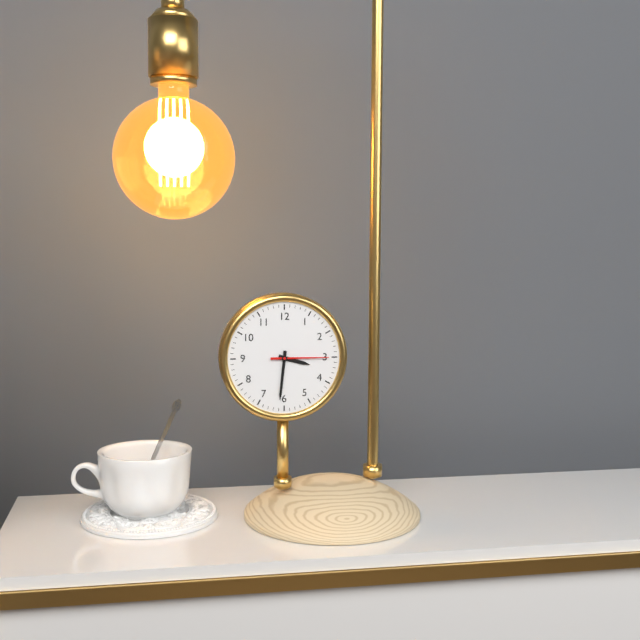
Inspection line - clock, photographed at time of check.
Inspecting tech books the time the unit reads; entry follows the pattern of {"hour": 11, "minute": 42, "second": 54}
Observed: {"hour": 3, "minute": 31, "second": 15}
